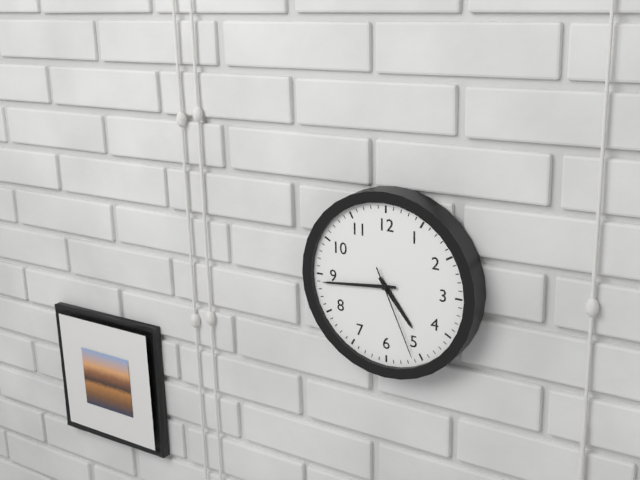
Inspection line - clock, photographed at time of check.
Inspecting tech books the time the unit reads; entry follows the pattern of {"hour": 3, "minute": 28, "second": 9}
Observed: {"hour": 4, "minute": 44, "second": 26}
